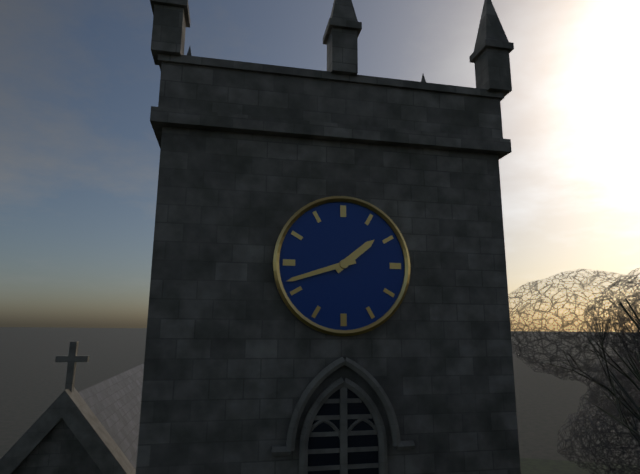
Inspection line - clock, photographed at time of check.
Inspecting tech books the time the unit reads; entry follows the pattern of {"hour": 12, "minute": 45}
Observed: {"hour": 1, "minute": 42}
